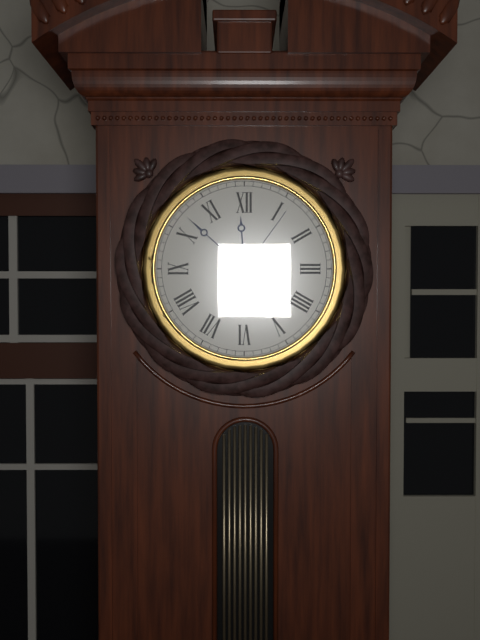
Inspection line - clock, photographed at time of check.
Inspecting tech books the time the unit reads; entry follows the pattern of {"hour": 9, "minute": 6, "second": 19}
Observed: {"hour": 11, "minute": 52, "second": 6}
